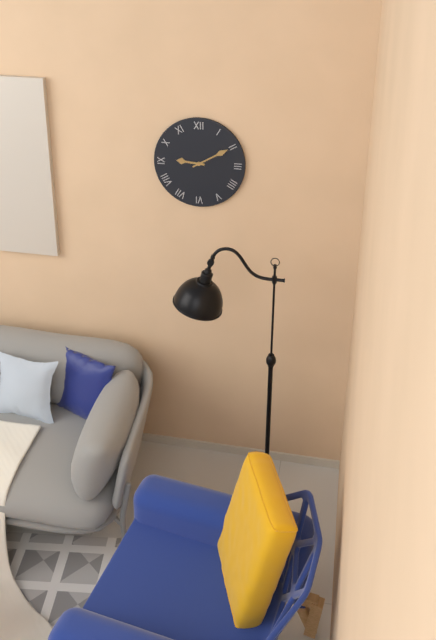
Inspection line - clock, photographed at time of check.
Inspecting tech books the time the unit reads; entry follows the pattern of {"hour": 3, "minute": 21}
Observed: {"hour": 9, "minute": 10}
